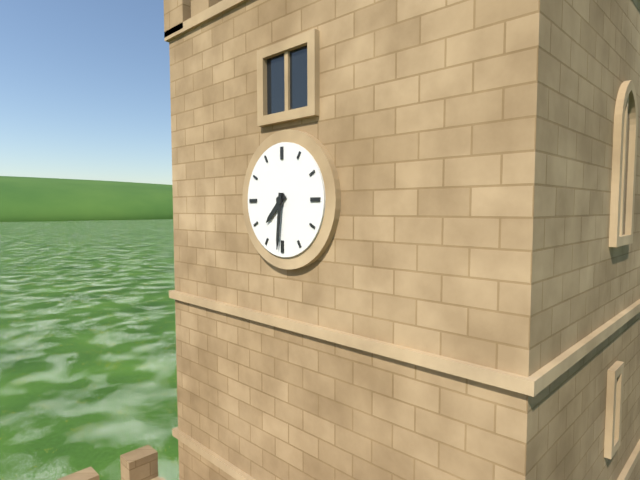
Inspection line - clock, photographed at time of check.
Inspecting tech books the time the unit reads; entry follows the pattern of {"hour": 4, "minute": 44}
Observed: {"hour": 7, "minute": 31}
